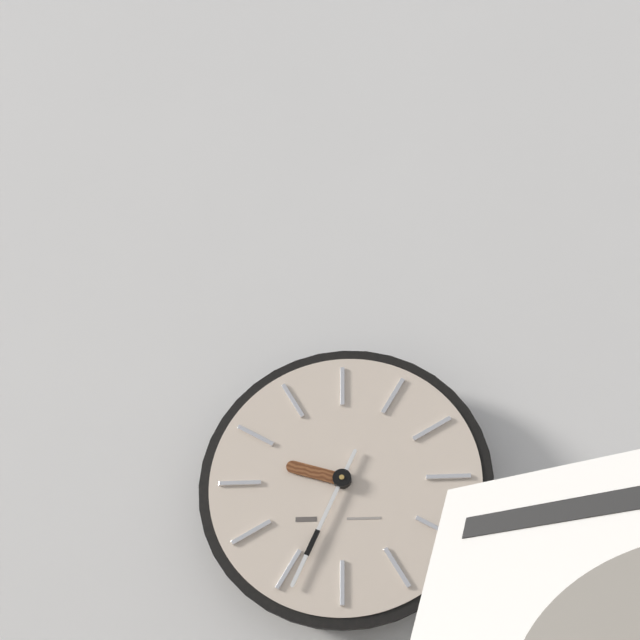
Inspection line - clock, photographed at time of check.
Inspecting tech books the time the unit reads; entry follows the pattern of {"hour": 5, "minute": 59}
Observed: {"hour": 9, "minute": 34}
